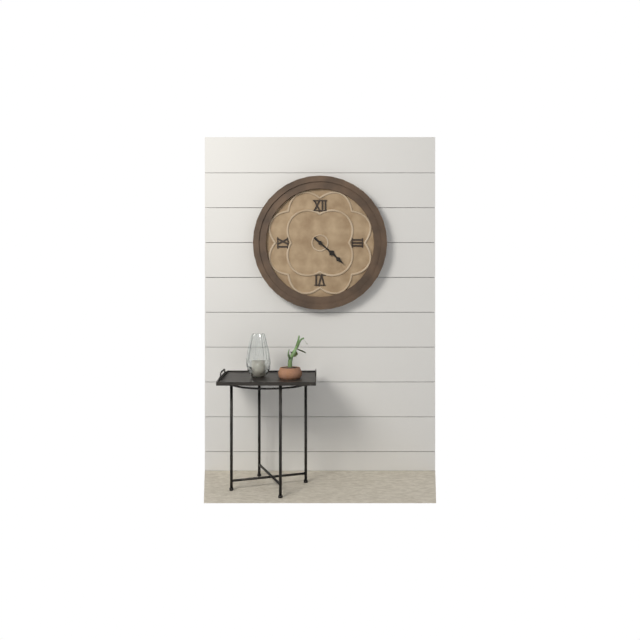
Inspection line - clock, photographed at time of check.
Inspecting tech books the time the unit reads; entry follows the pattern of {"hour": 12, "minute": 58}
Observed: {"hour": 4, "minute": 22}
